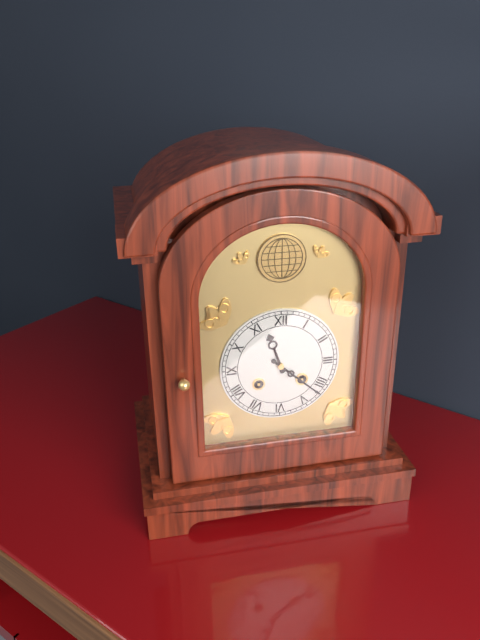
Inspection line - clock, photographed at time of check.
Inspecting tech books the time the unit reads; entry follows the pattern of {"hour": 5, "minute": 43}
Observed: {"hour": 11, "minute": 22}
